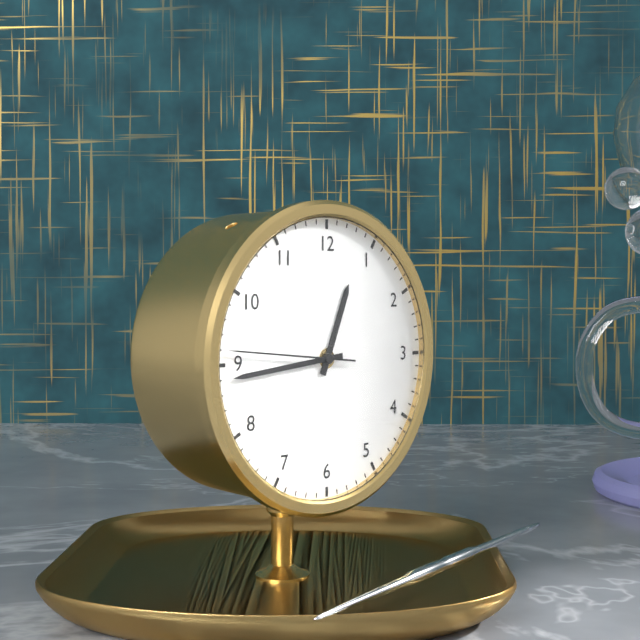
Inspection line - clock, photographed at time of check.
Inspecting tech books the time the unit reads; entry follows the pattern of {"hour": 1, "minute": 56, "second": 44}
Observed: {"hour": 12, "minute": 44, "second": 46}
